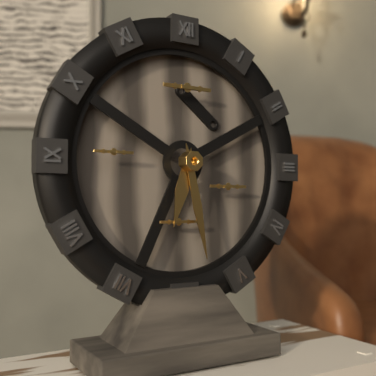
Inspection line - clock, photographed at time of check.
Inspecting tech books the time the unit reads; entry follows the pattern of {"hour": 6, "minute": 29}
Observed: {"hour": 6, "minute": 28}
